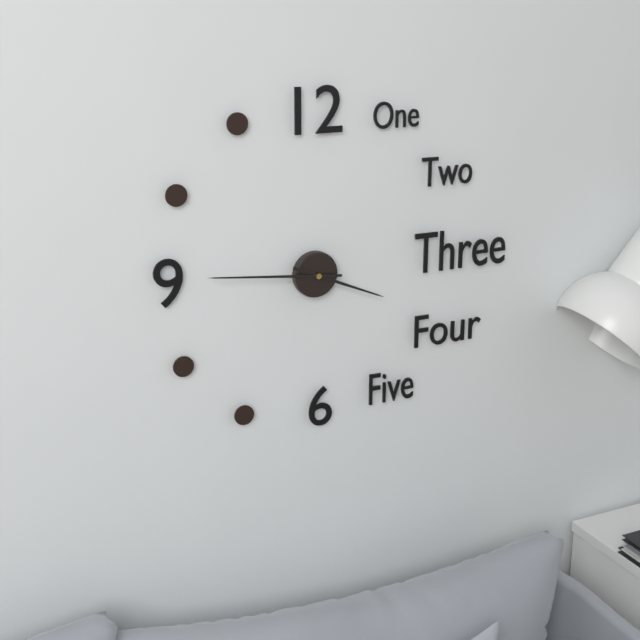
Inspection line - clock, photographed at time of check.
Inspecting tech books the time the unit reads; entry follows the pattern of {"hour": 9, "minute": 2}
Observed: {"hour": 3, "minute": 46}
